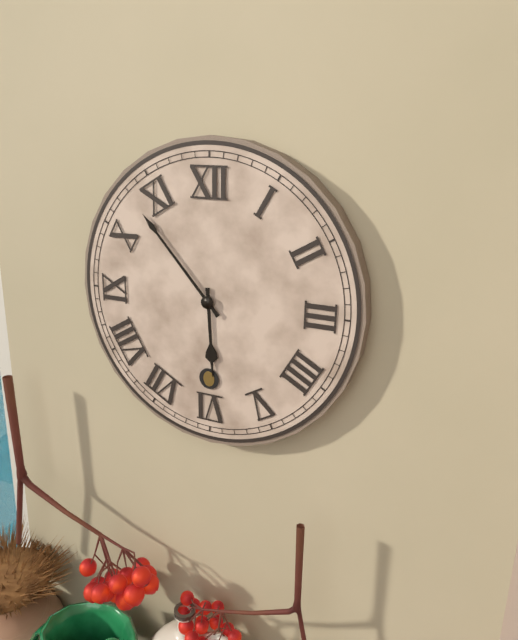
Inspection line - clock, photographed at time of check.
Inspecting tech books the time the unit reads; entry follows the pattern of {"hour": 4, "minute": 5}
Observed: {"hour": 5, "minute": 53}
